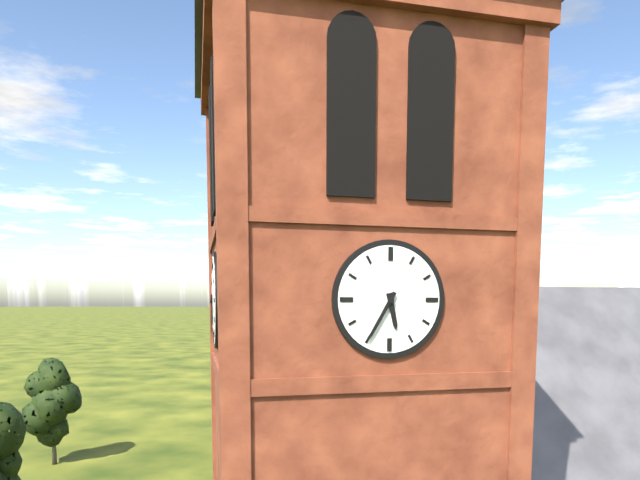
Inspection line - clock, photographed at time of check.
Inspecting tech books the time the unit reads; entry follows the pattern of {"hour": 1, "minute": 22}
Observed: {"hour": 5, "minute": 35}
